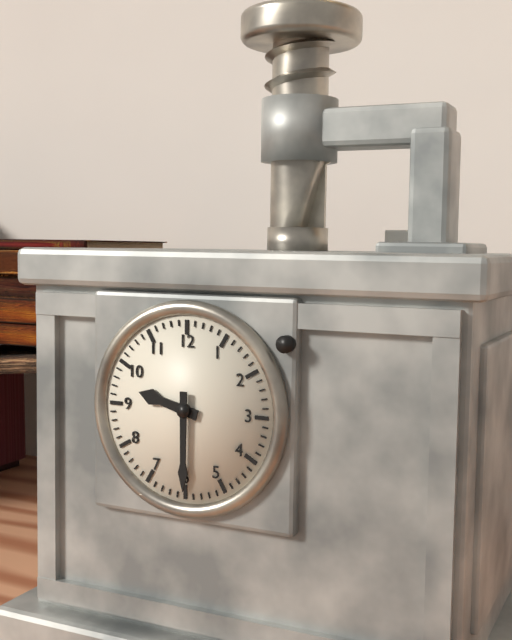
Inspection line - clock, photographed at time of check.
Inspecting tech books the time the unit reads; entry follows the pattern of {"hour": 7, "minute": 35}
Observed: {"hour": 9, "minute": 30}
